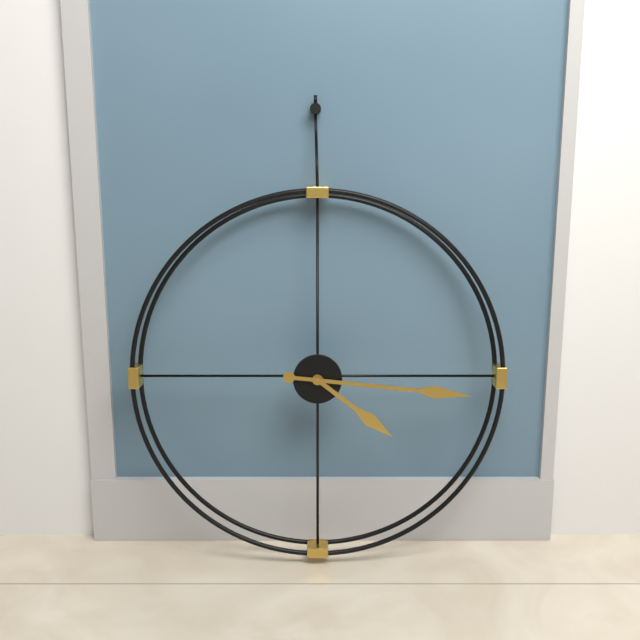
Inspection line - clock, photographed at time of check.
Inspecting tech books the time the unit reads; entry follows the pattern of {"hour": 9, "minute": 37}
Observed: {"hour": 4, "minute": 16}
